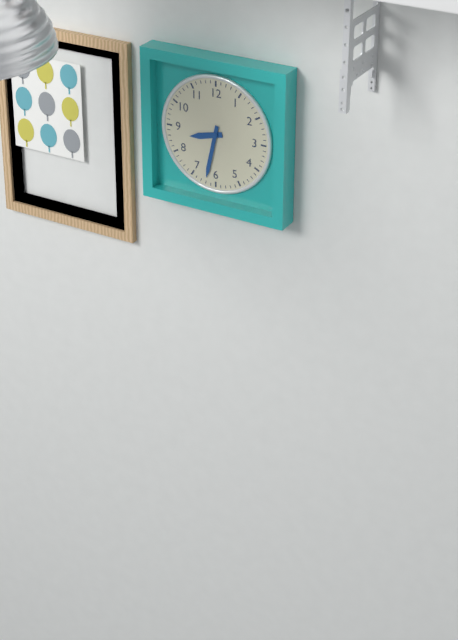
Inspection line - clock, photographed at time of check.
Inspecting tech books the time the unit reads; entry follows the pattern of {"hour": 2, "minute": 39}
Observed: {"hour": 8, "minute": 32}
